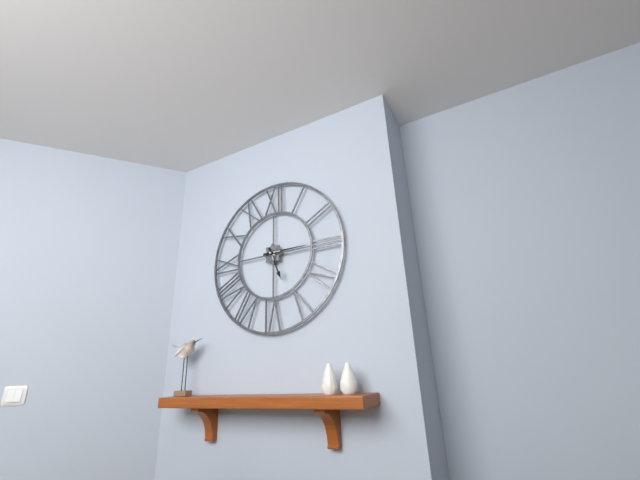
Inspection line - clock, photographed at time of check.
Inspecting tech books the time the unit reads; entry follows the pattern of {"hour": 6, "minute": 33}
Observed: {"hour": 5, "minute": 15}
